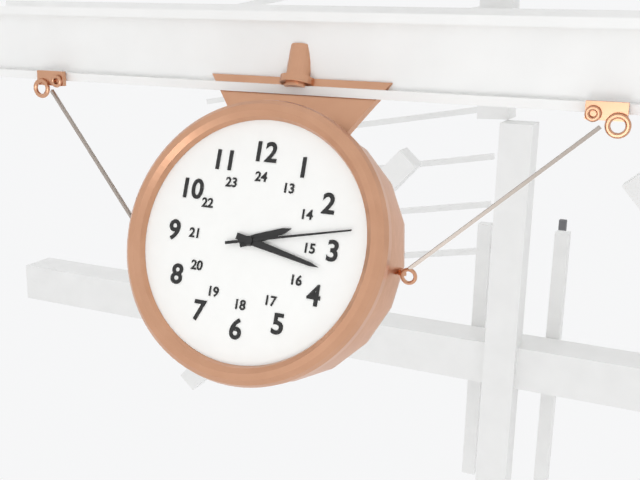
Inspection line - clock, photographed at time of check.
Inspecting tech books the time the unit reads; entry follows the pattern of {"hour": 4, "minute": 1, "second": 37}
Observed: {"hour": 2, "minute": 17, "second": 13}
